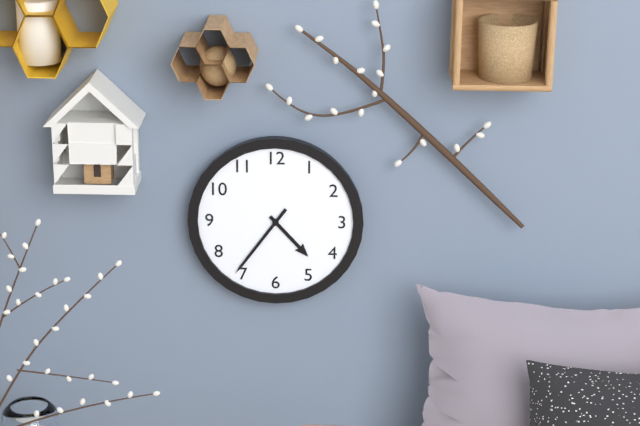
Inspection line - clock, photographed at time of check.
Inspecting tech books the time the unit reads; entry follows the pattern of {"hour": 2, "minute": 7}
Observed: {"hour": 4, "minute": 36}
